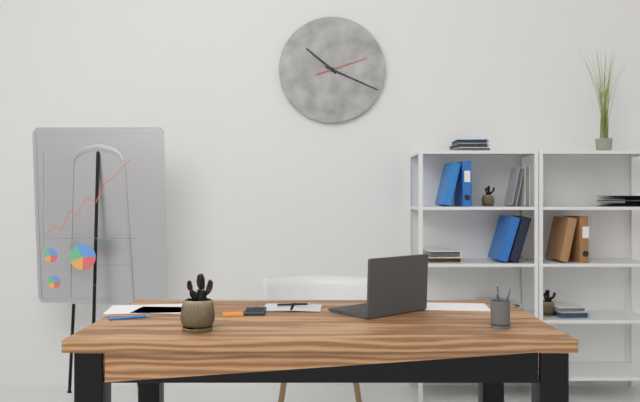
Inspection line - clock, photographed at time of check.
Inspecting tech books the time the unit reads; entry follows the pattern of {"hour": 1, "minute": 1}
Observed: {"hour": 10, "minute": 19}
